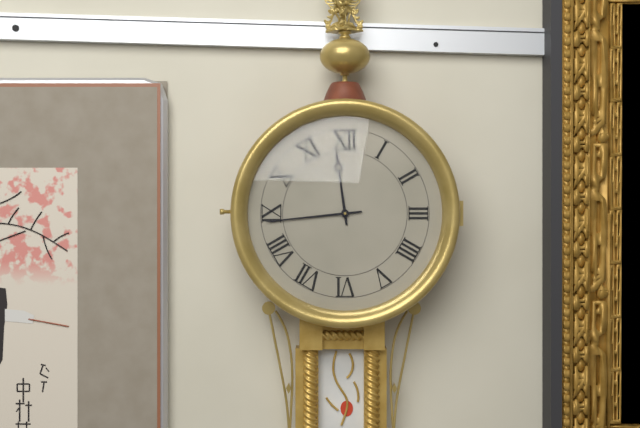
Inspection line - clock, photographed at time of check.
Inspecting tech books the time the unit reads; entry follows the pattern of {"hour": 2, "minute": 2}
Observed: {"hour": 11, "minute": 44}
